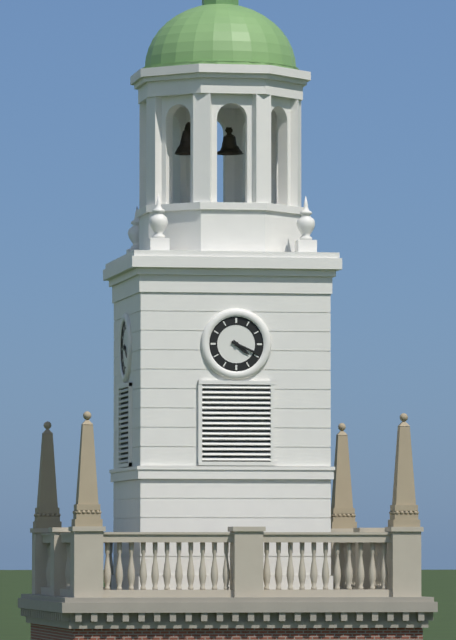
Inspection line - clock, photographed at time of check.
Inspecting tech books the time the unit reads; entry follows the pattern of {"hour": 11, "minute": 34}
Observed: {"hour": 4, "minute": 19}
